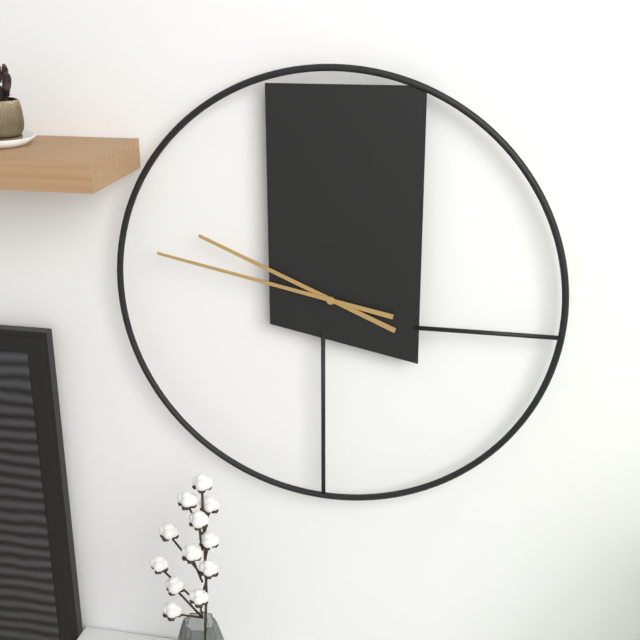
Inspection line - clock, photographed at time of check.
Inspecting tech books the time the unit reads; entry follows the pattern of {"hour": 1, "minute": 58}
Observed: {"hour": 9, "minute": 47}
